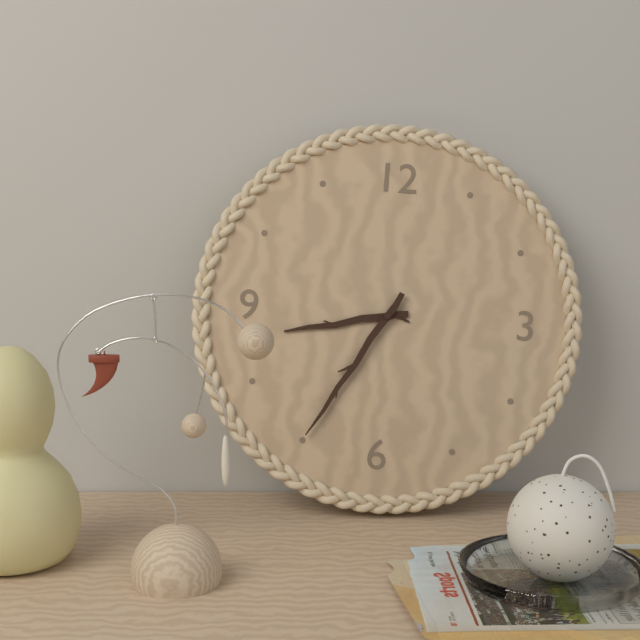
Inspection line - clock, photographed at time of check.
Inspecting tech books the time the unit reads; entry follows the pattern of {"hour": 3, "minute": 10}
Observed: {"hour": 8, "minute": 35}
